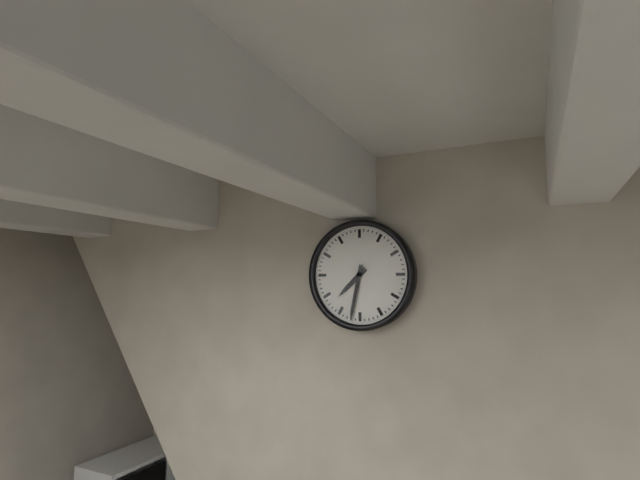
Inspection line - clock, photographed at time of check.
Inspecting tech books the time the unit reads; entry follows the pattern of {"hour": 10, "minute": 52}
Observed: {"hour": 7, "minute": 32}
